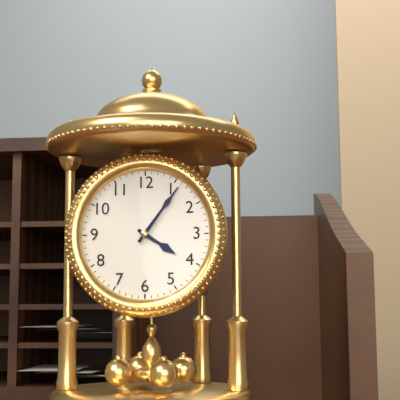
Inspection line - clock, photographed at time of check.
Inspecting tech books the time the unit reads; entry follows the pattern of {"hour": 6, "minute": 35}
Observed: {"hour": 4, "minute": 6}
